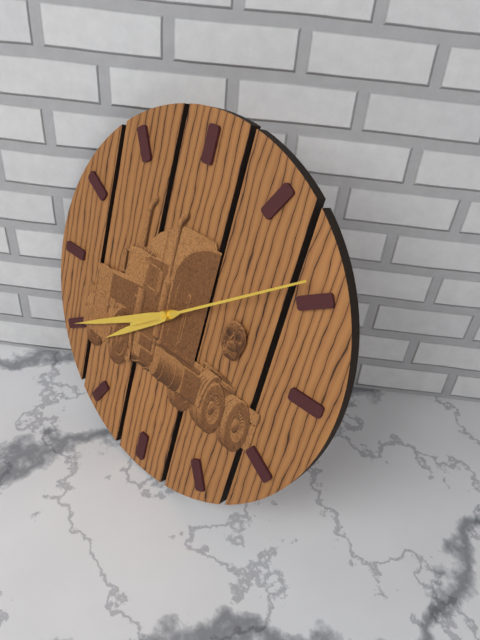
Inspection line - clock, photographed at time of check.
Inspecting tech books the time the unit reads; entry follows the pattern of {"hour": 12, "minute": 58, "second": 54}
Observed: {"hour": 7, "minute": 40, "second": 9}
